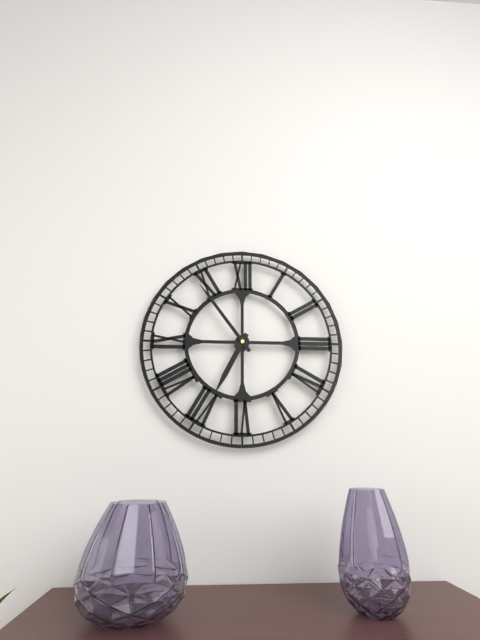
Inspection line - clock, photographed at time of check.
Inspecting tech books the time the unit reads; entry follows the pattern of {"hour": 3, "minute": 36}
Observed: {"hour": 6, "minute": 54}
